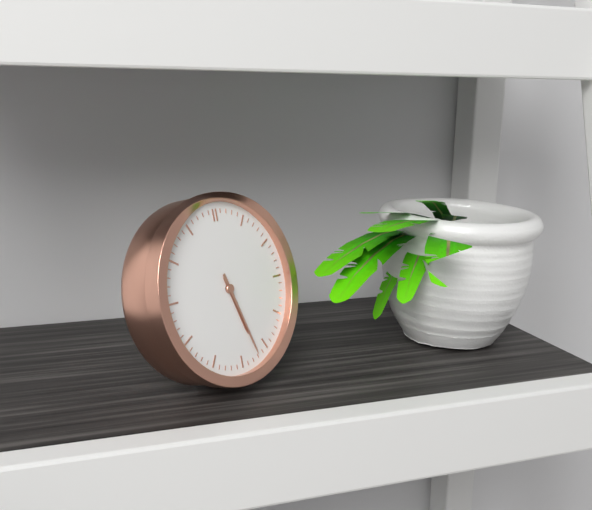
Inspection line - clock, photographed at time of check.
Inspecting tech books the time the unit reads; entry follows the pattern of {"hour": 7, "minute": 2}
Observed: {"hour": 5, "minute": 27}
